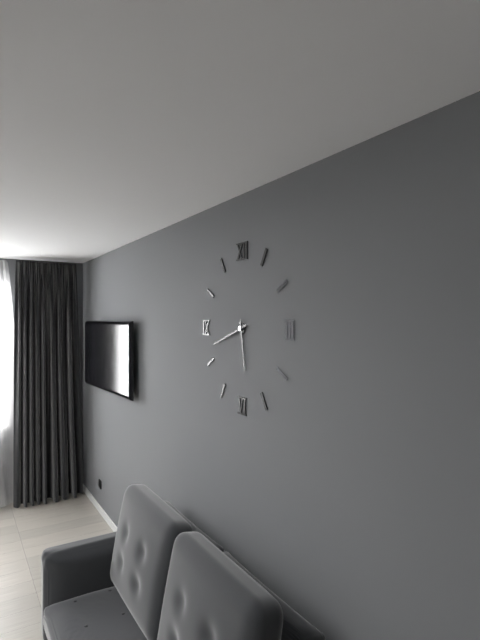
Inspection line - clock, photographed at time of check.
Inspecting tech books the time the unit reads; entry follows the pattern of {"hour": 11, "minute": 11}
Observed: {"hour": 5, "minute": 42}
